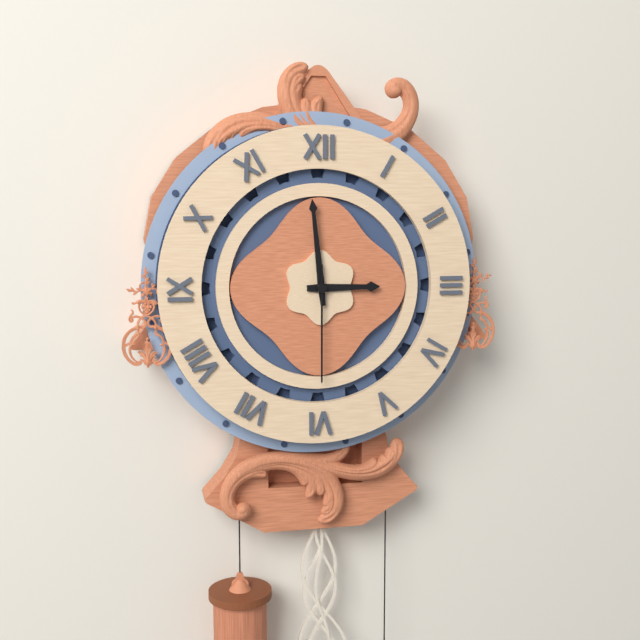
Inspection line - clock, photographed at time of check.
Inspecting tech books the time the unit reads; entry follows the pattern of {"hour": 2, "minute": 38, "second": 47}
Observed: {"hour": 2, "minute": 59, "second": 30}
